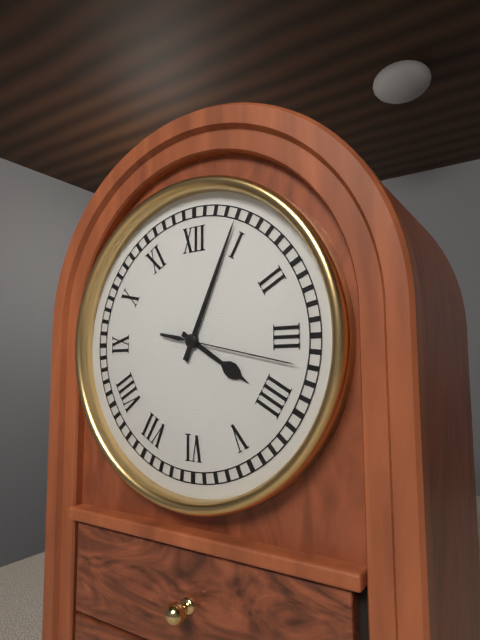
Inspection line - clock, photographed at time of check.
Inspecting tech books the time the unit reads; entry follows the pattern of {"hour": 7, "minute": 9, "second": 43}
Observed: {"hour": 4, "minute": 4, "second": 17}
